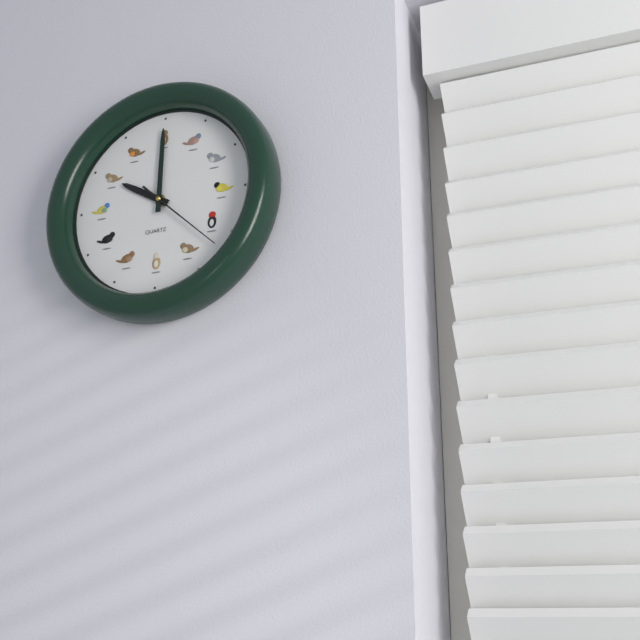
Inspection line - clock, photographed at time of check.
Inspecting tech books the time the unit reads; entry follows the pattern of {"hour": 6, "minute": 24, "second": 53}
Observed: {"hour": 10, "minute": 0, "second": 22}
